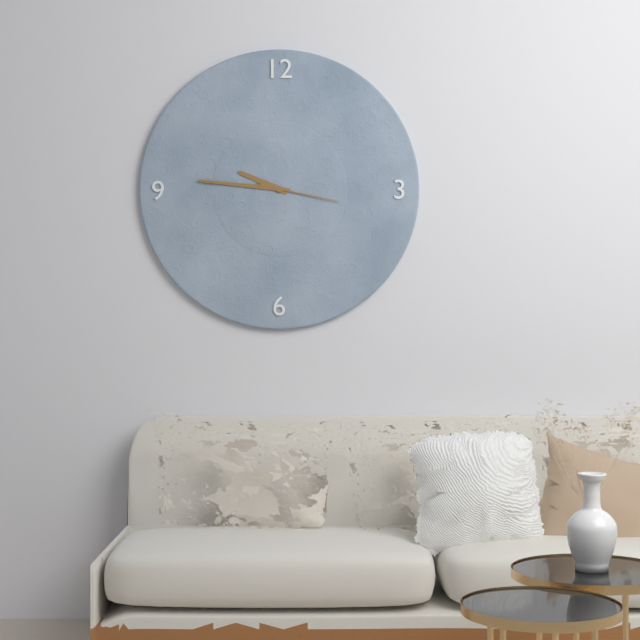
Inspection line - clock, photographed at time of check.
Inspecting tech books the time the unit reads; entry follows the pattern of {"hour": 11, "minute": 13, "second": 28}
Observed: {"hour": 9, "minute": 46, "second": 17}
